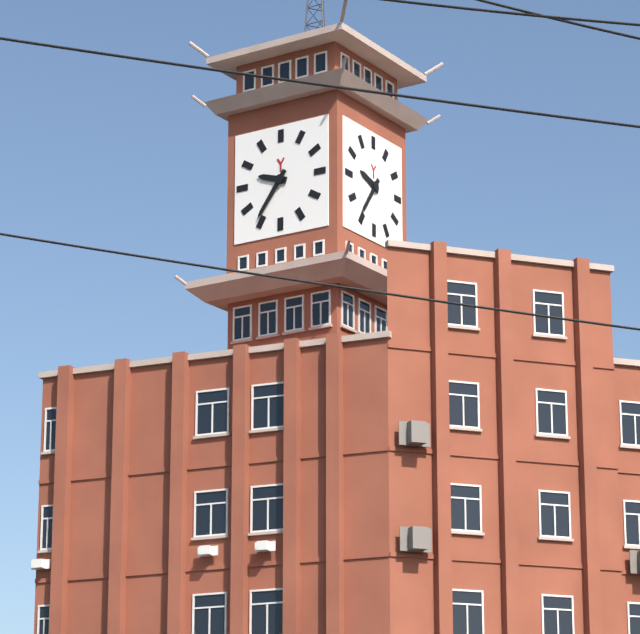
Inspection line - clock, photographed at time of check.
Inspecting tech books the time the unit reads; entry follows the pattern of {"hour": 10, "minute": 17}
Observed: {"hour": 9, "minute": 36}
